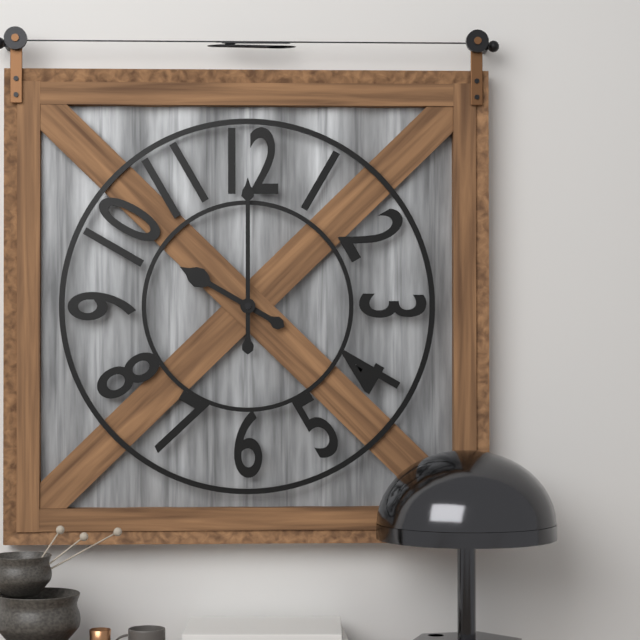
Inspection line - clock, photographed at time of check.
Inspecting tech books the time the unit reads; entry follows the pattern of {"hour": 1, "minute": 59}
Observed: {"hour": 10, "minute": 0}
